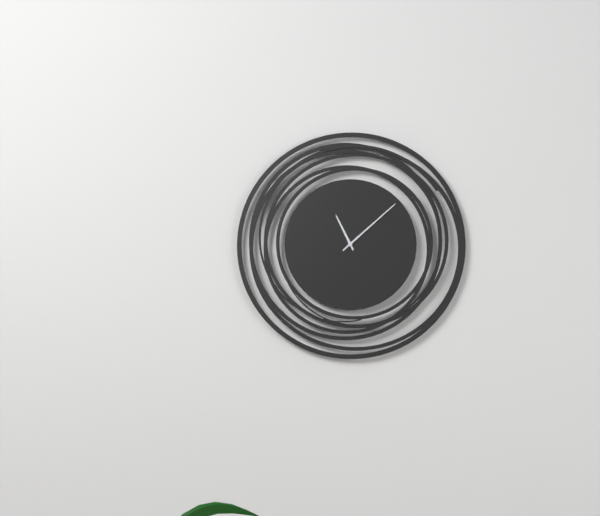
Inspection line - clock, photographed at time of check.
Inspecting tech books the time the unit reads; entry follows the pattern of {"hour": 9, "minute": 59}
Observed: {"hour": 11, "minute": 8}
